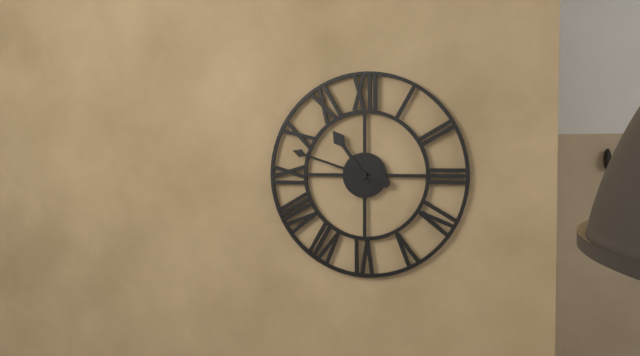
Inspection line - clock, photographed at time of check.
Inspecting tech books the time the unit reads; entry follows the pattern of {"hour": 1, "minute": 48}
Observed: {"hour": 10, "minute": 48}
